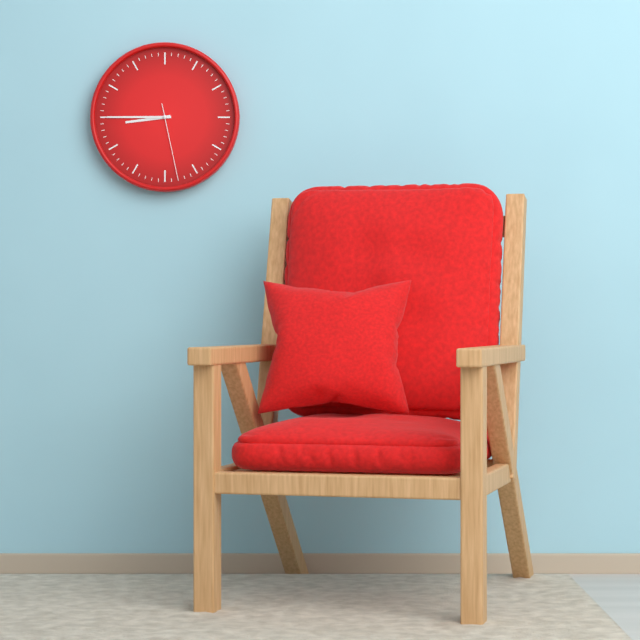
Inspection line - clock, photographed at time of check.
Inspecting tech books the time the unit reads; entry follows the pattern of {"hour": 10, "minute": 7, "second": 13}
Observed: {"hour": 8, "minute": 45, "second": 28}
